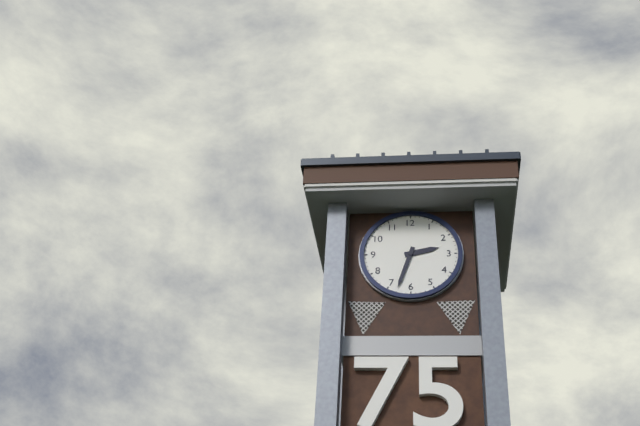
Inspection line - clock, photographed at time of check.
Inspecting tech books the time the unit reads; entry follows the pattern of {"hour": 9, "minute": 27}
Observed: {"hour": 2, "minute": 33}
